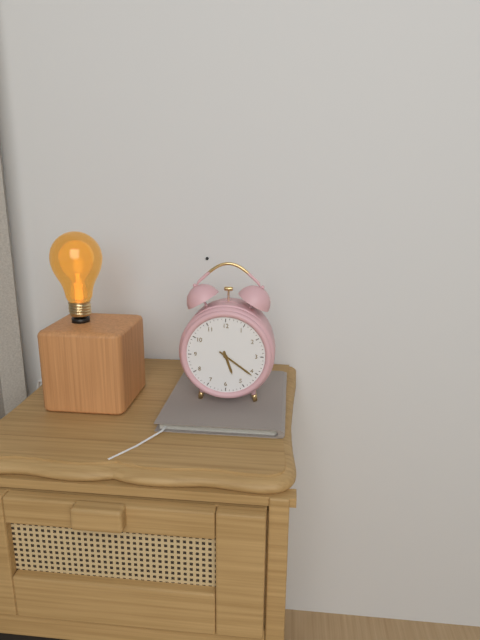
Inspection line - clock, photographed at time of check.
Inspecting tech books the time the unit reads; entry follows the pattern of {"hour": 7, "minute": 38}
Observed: {"hour": 5, "minute": 21}
